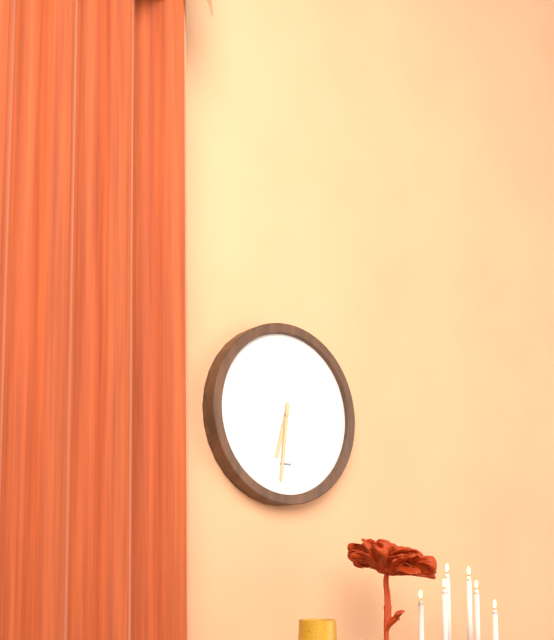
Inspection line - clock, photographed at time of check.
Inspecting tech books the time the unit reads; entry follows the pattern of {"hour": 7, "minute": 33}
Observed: {"hour": 6, "minute": 31}
